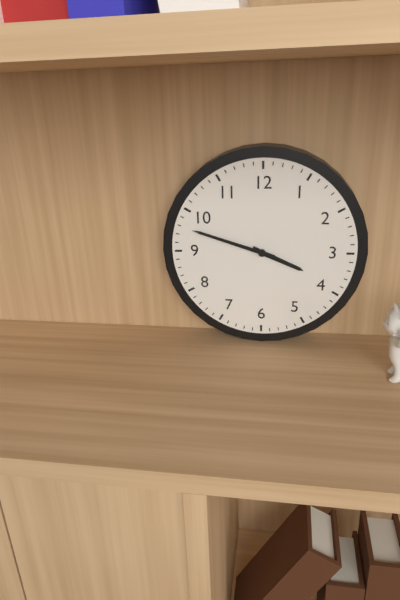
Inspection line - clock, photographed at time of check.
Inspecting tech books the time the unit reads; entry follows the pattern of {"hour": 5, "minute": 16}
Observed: {"hour": 3, "minute": 48}
